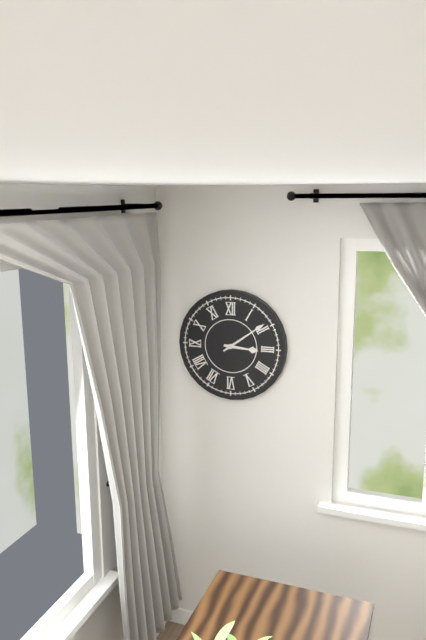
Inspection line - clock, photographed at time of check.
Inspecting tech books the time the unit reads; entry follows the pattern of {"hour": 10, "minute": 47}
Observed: {"hour": 3, "minute": 9}
